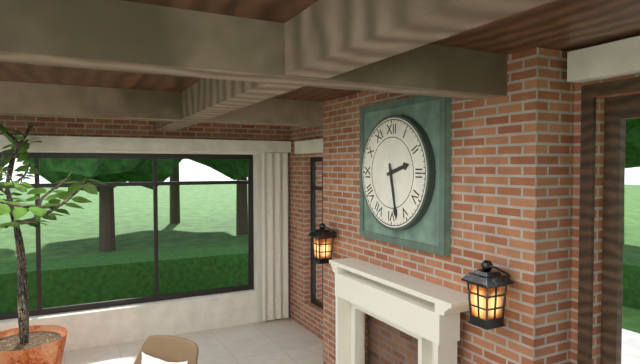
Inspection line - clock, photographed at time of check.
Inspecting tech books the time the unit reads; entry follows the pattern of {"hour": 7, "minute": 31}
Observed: {"hour": 2, "minute": 28}
